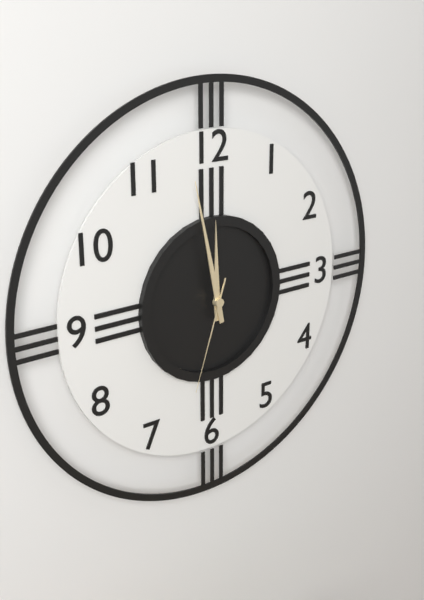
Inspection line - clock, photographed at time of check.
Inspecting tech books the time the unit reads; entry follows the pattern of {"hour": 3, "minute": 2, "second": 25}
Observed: {"hour": 11, "minute": 58, "second": 33}
